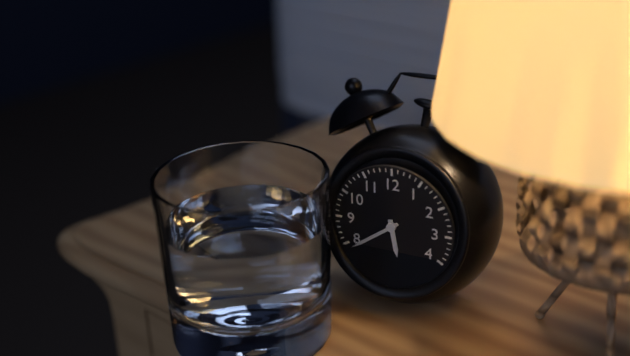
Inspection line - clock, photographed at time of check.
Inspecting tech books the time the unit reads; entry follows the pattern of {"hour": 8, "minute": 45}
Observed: {"hour": 5, "minute": 39}
